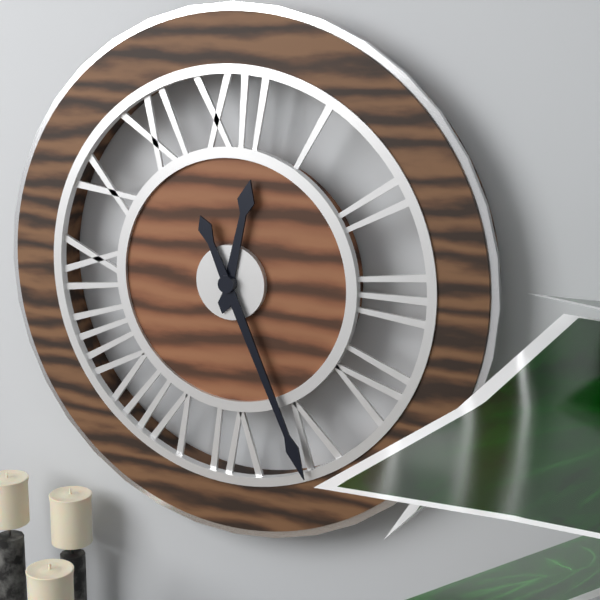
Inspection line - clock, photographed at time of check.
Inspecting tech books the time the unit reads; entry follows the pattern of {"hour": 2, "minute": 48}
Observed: {"hour": 12, "minute": 26}
